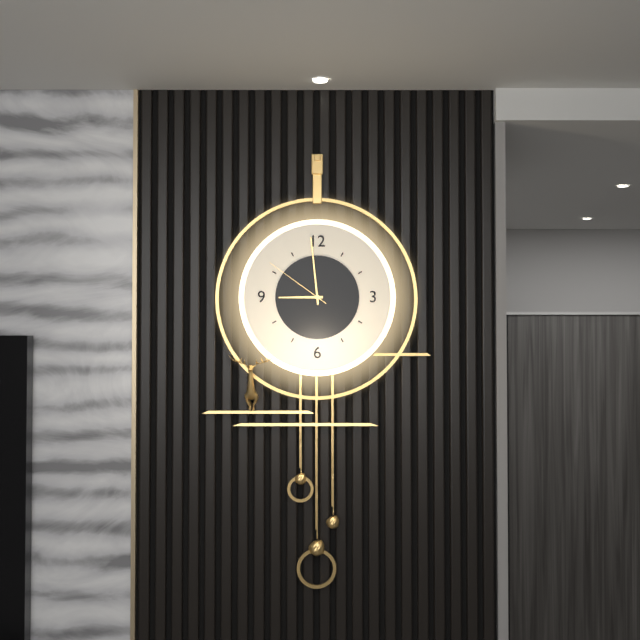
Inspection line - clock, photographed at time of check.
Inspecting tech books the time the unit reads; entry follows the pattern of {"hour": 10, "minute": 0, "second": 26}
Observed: {"hour": 8, "minute": 59, "second": 51}
